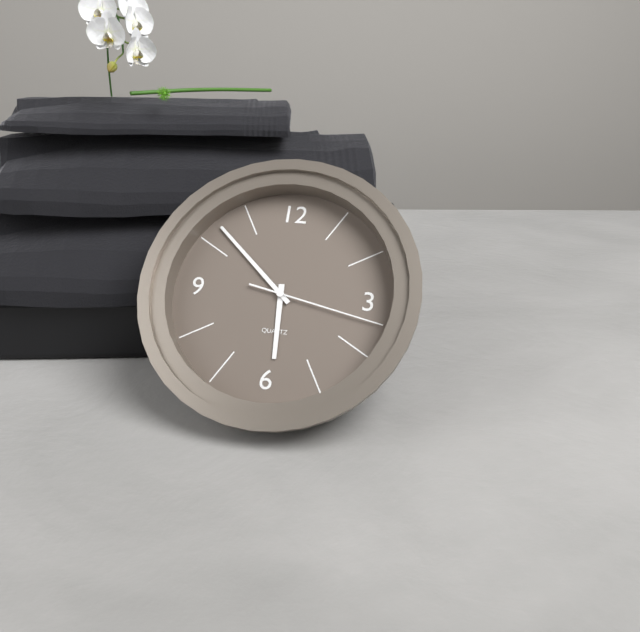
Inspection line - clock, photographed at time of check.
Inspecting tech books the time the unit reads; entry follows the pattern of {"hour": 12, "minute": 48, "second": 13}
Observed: {"hour": 5, "minute": 52, "second": 17}
